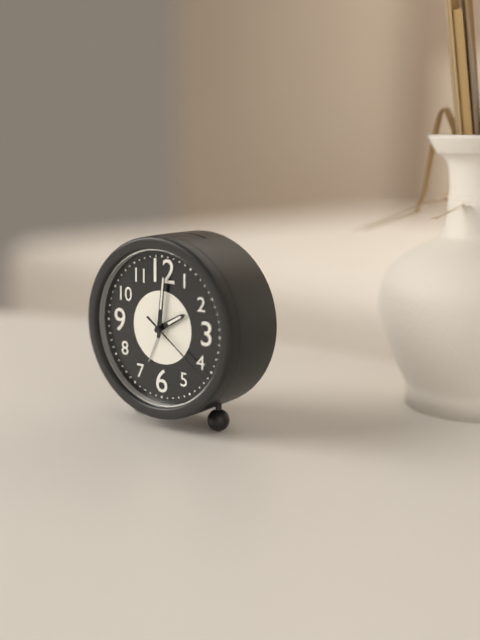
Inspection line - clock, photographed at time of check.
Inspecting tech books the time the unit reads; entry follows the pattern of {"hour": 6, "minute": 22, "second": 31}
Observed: {"hour": 2, "minute": 1, "second": 21}
